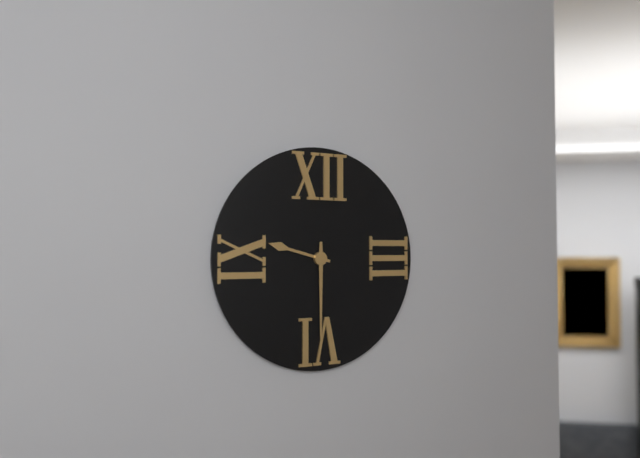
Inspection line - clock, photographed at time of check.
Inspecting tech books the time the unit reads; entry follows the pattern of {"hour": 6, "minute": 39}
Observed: {"hour": 9, "minute": 30}
